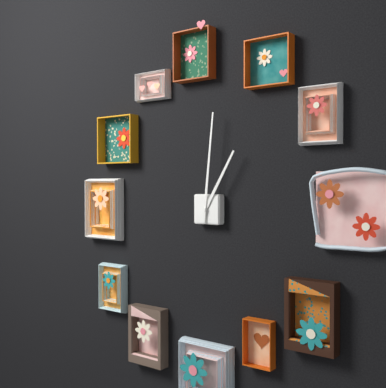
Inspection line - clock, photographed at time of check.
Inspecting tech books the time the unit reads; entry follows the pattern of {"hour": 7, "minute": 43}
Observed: {"hour": 1, "minute": 1}
